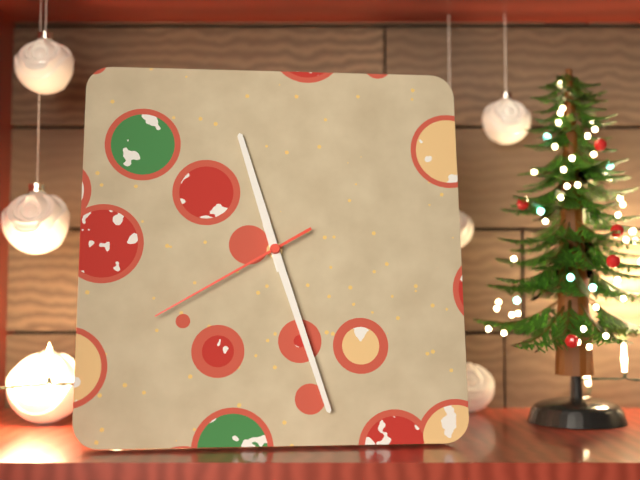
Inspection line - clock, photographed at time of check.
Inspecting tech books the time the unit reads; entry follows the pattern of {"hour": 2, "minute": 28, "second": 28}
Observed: {"hour": 11, "minute": 27, "second": 40}
